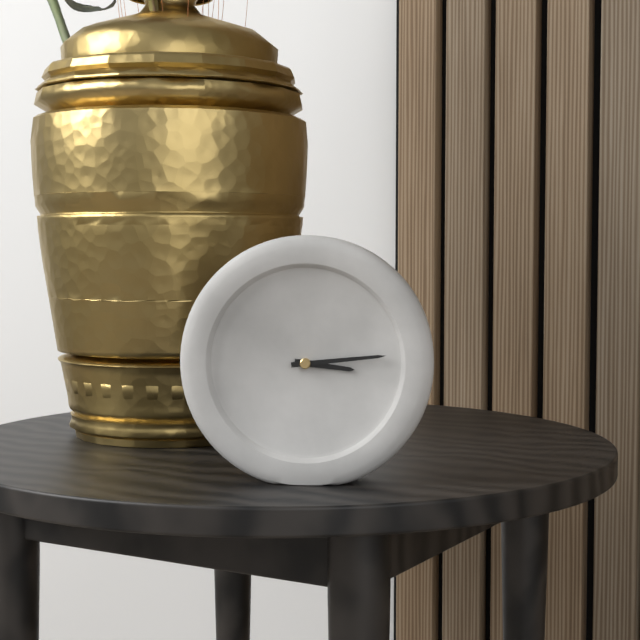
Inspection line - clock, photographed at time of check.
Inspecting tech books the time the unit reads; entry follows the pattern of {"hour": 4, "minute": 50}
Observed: {"hour": 3, "minute": 14}
